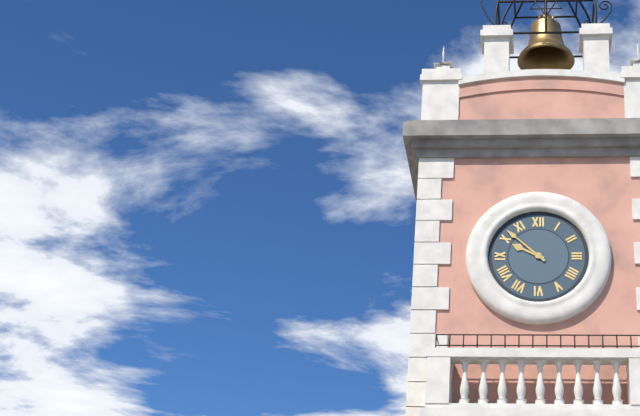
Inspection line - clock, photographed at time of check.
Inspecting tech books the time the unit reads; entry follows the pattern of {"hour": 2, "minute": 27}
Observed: {"hour": 9, "minute": 52}
